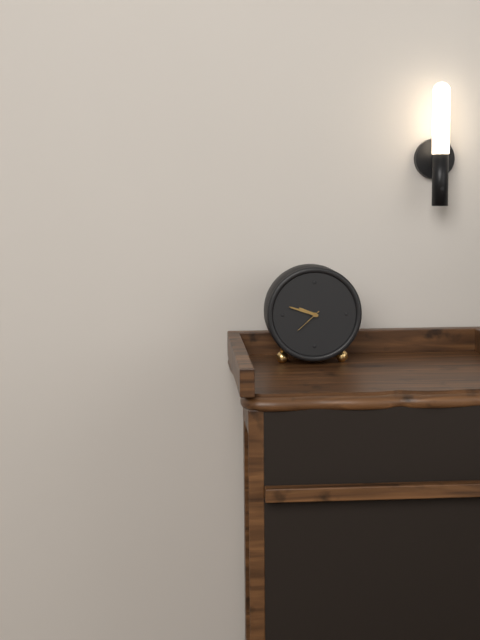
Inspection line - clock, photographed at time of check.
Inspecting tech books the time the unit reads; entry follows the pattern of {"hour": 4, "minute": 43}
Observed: {"hour": 9, "minute": 48}
